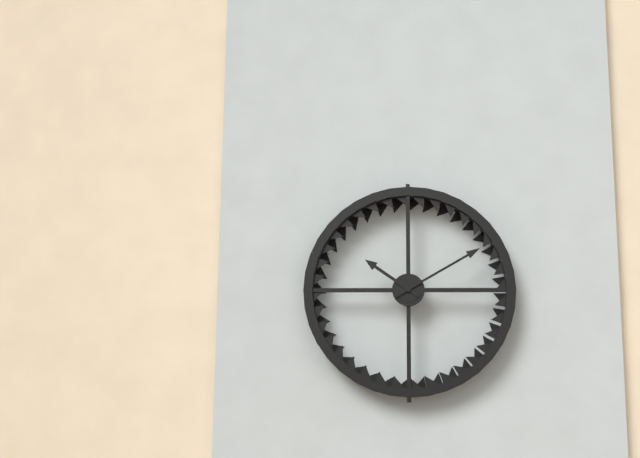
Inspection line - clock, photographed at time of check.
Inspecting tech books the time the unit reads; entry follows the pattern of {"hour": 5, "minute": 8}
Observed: {"hour": 10, "minute": 10}
